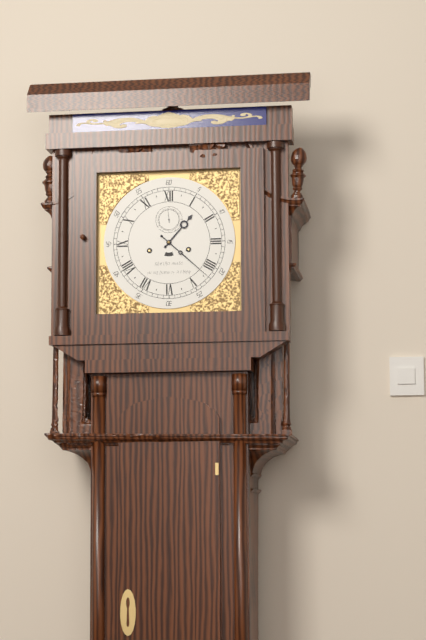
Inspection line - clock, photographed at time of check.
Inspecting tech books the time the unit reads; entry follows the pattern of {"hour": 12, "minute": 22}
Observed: {"hour": 1, "minute": 22}
